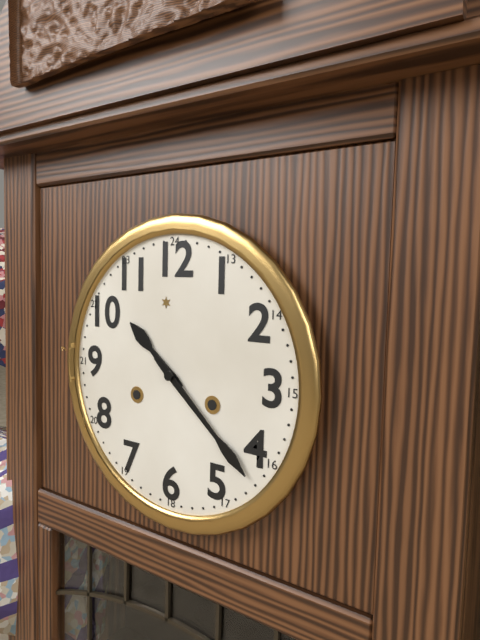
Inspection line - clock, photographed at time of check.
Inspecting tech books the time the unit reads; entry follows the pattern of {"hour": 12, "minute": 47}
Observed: {"hour": 10, "minute": 22}
